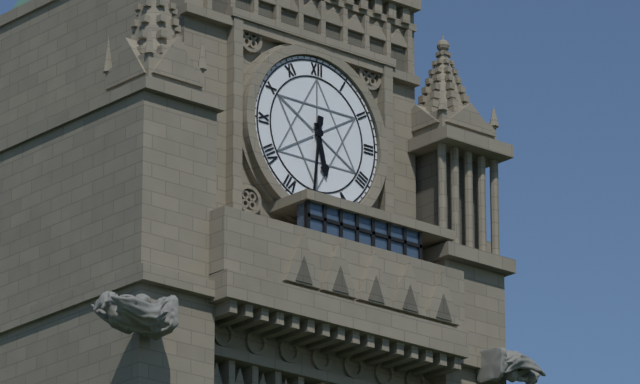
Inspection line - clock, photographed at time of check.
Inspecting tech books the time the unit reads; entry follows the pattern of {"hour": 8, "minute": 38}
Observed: {"hour": 5, "minute": 31}
